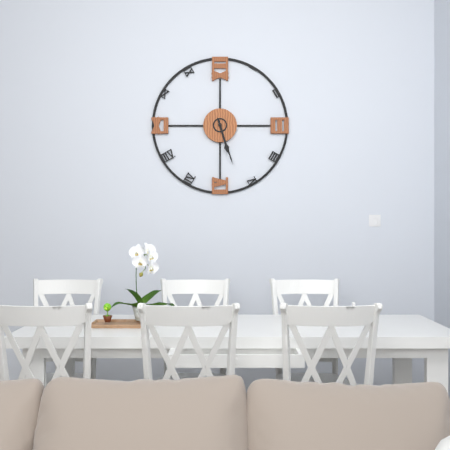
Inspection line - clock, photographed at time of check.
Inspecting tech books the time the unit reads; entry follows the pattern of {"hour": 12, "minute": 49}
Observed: {"hour": 5, "minute": 27}
